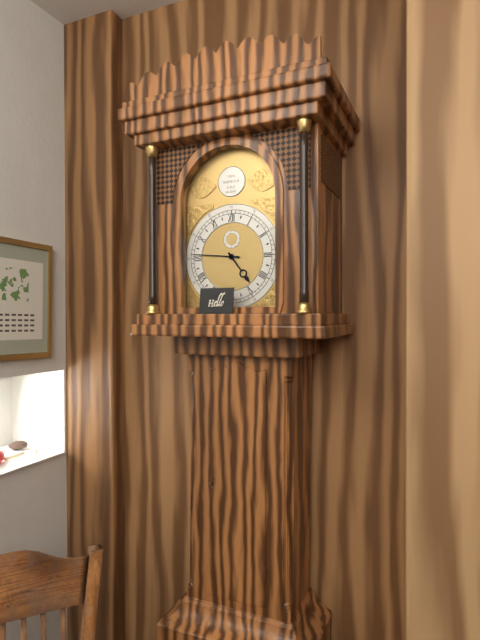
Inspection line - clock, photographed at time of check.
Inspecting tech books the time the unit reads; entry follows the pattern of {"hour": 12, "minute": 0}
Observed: {"hour": 4, "minute": 46}
